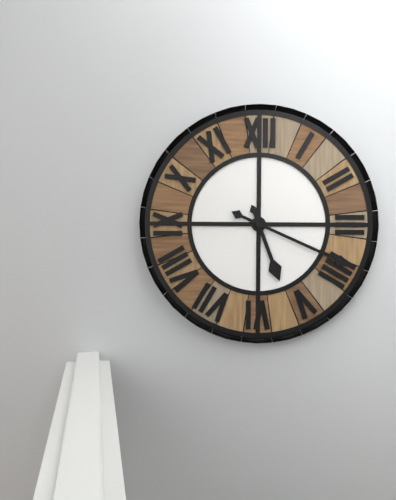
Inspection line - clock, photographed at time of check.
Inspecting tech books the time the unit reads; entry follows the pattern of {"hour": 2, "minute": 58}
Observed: {"hour": 5, "minute": 19}
